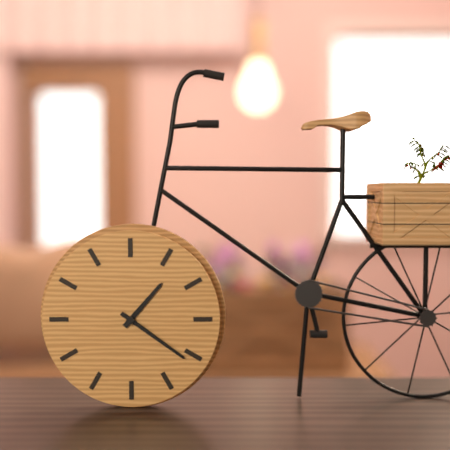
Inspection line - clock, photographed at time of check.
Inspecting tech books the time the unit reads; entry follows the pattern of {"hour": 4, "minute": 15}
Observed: {"hour": 1, "minute": 21}
